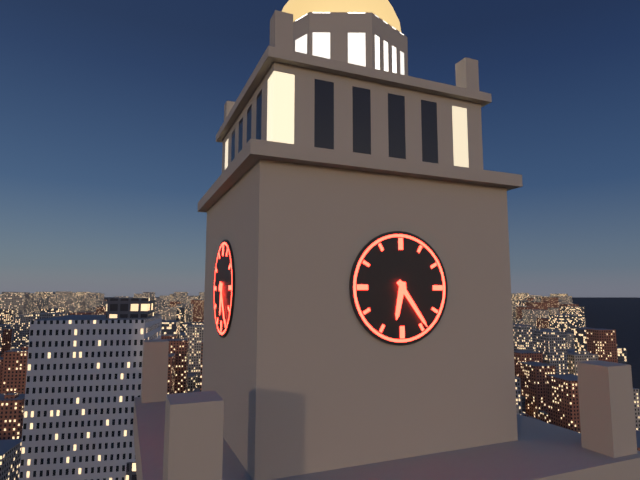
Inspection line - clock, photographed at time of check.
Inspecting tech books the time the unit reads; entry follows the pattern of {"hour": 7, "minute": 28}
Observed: {"hour": 6, "minute": 24}
